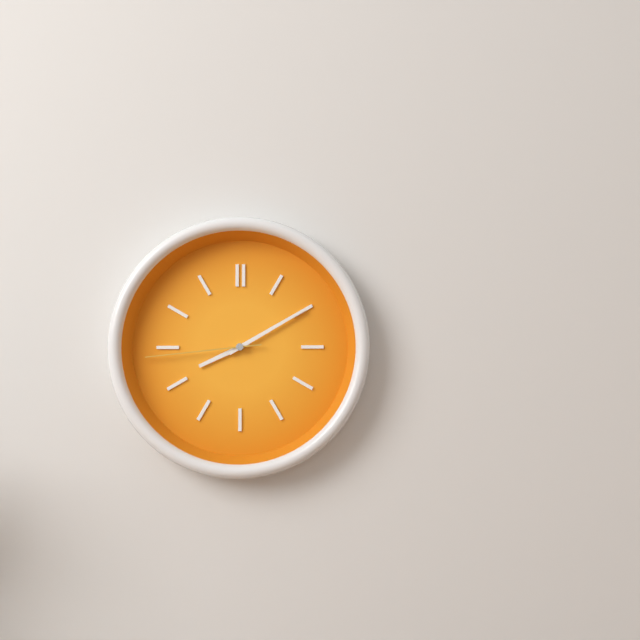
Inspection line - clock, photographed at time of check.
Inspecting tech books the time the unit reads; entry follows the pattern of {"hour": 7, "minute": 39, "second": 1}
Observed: {"hour": 8, "minute": 10, "second": 44}
